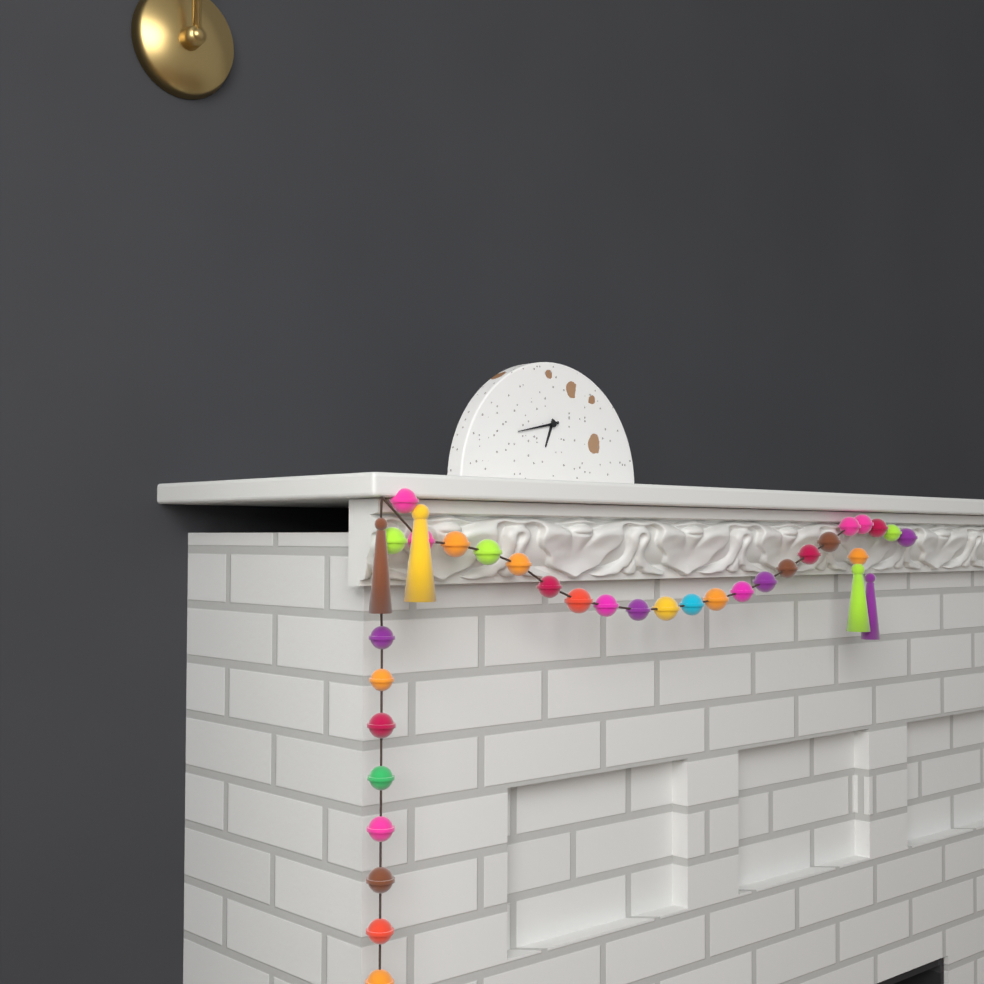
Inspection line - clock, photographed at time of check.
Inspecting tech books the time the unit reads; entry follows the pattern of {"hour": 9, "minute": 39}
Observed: {"hour": 6, "minute": 43}
